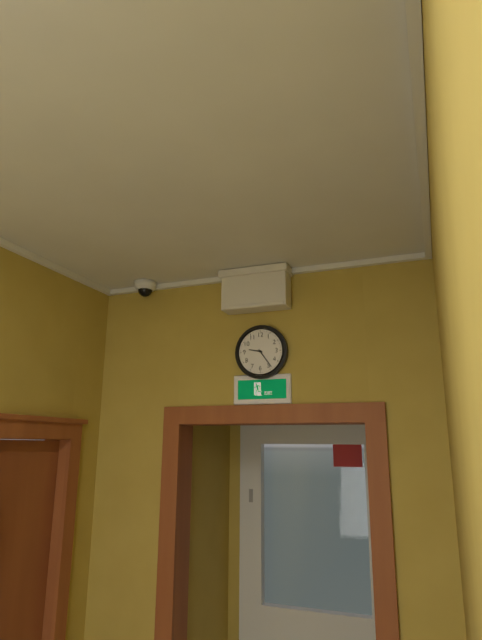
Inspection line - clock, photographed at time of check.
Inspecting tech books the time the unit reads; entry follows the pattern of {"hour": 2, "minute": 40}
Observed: {"hour": 9, "minute": 24}
